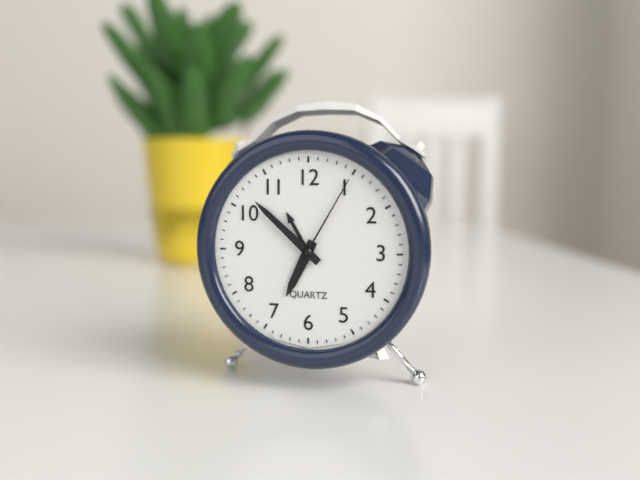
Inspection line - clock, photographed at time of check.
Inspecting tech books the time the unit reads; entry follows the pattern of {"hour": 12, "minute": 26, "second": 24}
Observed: {"hour": 6, "minute": 52, "second": 5}
